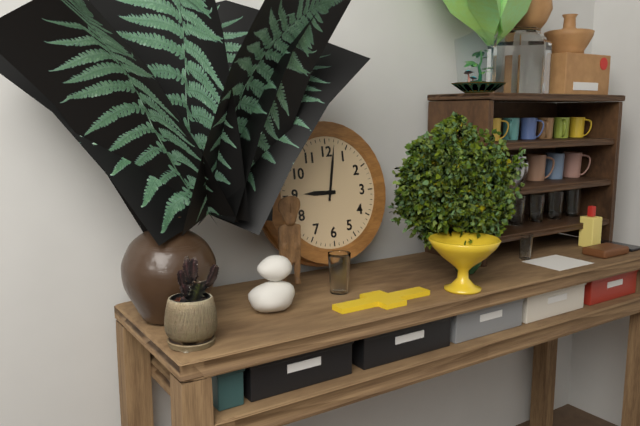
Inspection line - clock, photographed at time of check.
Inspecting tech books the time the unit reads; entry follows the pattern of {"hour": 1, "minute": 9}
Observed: {"hour": 9, "minute": 2}
